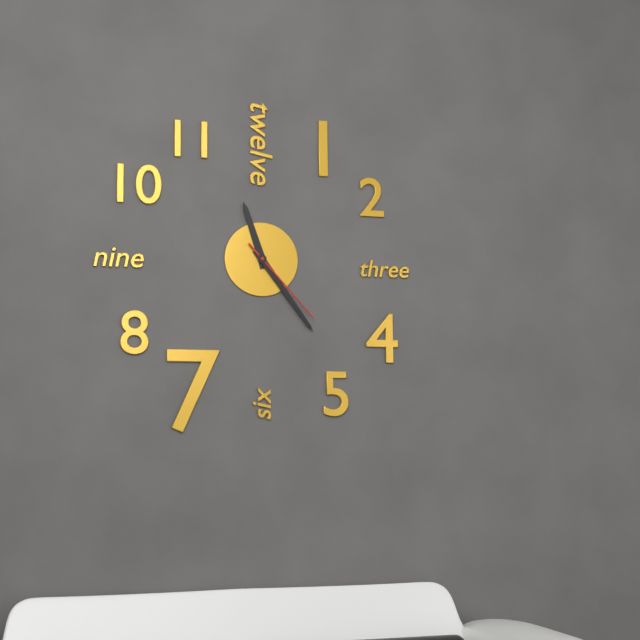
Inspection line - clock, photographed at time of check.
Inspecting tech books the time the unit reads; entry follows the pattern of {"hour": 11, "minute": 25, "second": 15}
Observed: {"hour": 11, "minute": 24, "second": 23}
